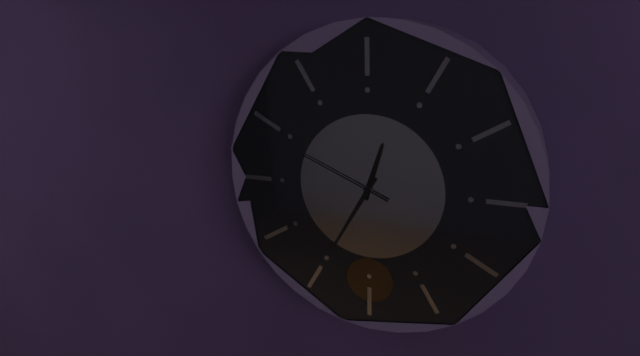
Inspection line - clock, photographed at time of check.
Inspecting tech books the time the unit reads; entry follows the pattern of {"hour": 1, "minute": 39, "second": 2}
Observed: {"hour": 12, "minute": 35, "second": 49}
